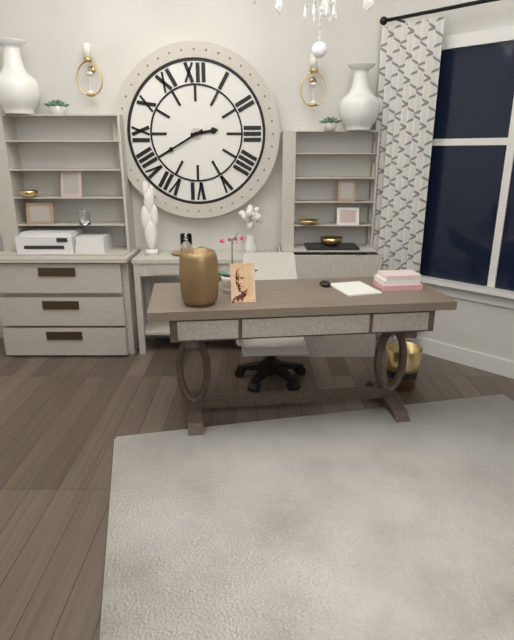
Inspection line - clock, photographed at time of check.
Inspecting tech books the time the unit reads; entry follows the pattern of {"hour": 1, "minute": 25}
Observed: {"hour": 2, "minute": 40}
